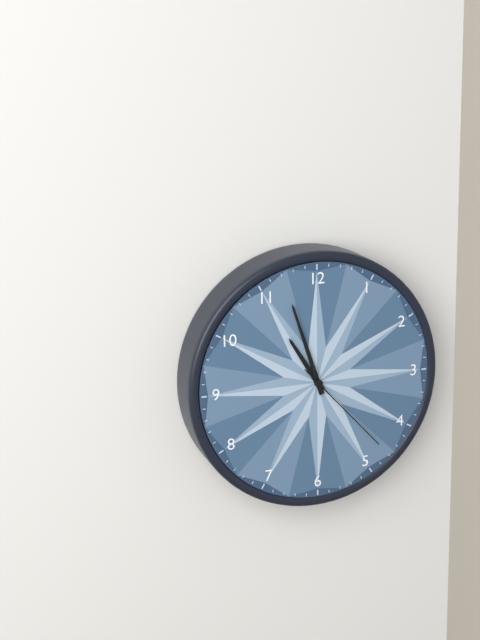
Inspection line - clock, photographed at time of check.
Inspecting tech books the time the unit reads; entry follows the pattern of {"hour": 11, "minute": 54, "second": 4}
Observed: {"hour": 10, "minute": 57, "second": 23}
